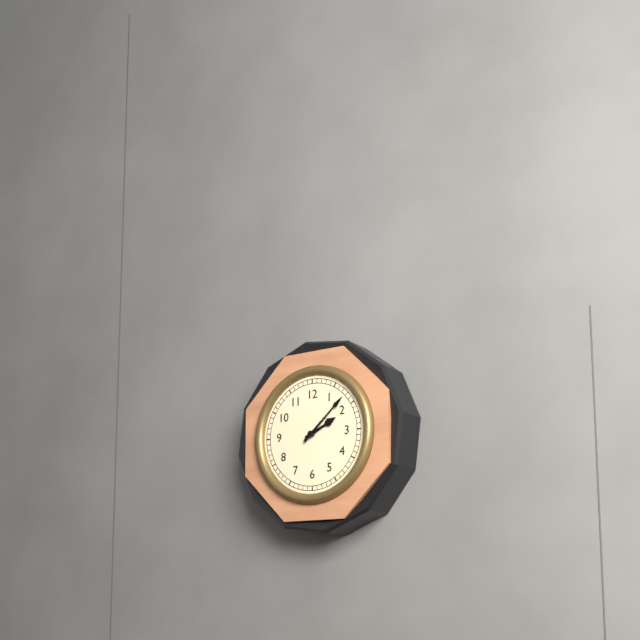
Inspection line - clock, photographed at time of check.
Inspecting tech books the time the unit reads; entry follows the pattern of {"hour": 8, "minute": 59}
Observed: {"hour": 2, "minute": 8}
